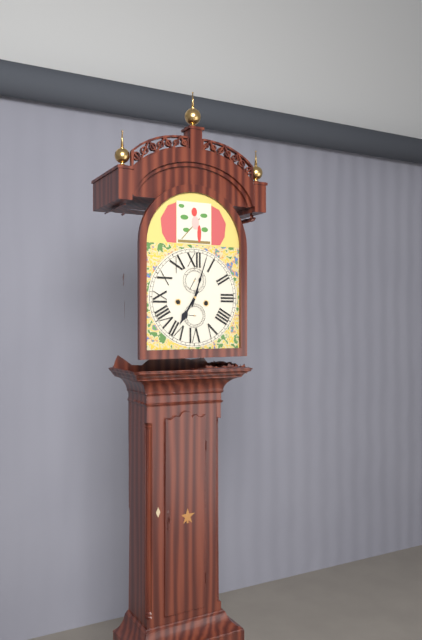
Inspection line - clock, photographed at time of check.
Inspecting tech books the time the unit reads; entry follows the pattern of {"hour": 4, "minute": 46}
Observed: {"hour": 7, "minute": 3}
